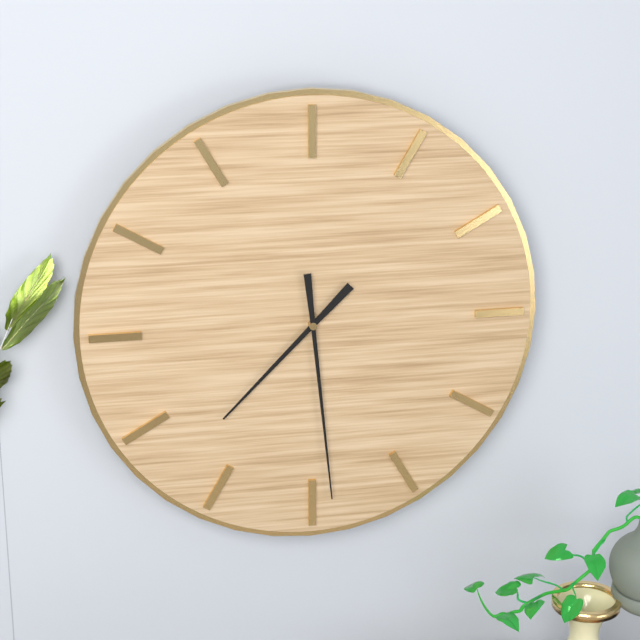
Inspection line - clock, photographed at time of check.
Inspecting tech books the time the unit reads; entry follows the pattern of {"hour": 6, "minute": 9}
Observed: {"hour": 7, "minute": 29}
